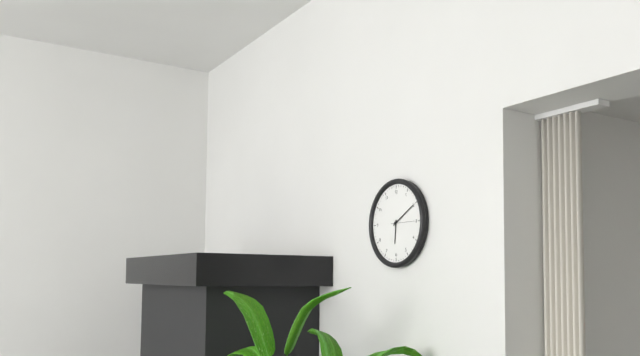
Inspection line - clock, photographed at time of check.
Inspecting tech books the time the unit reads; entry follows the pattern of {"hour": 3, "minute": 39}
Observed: {"hour": 6, "minute": 10}
